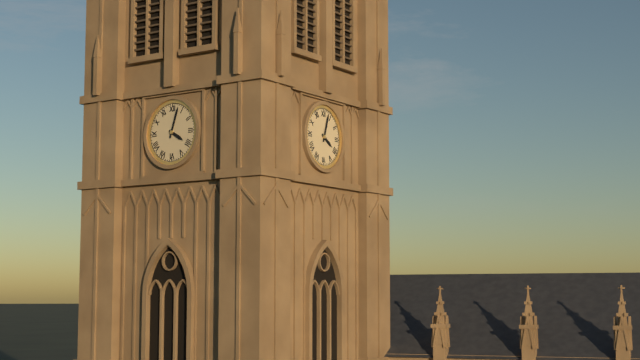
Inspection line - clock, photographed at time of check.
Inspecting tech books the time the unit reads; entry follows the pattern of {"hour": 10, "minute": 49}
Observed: {"hour": 4, "minute": 3}
